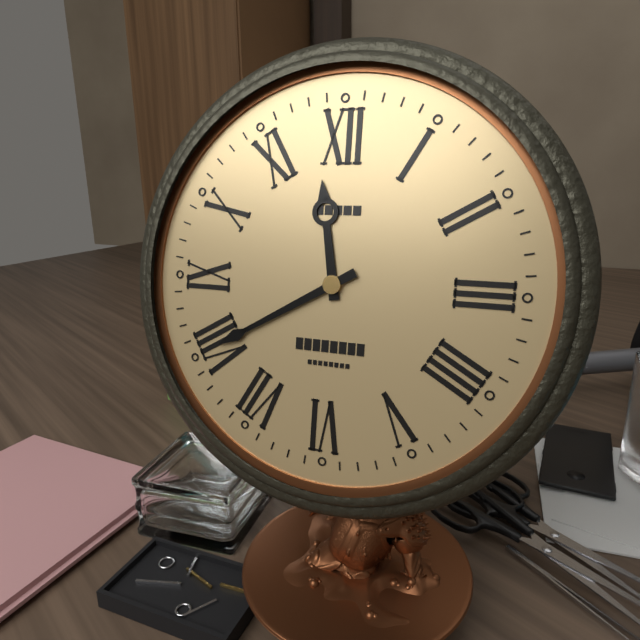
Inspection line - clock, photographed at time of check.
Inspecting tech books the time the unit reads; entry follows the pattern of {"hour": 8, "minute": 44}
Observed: {"hour": 11, "minute": 40}
